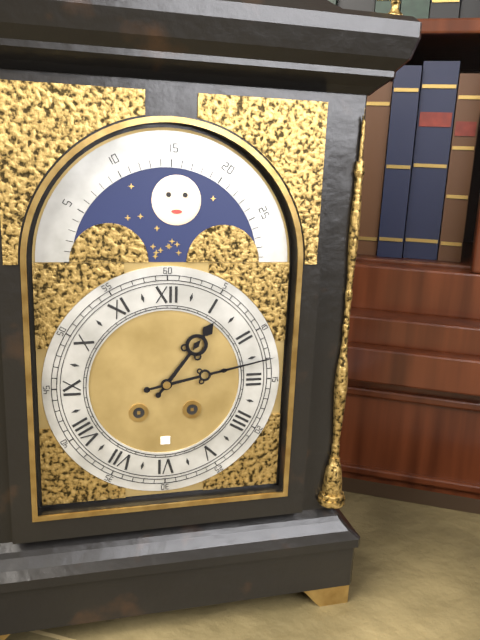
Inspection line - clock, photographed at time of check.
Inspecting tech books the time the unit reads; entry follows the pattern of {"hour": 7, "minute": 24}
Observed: {"hour": 1, "minute": 13}
